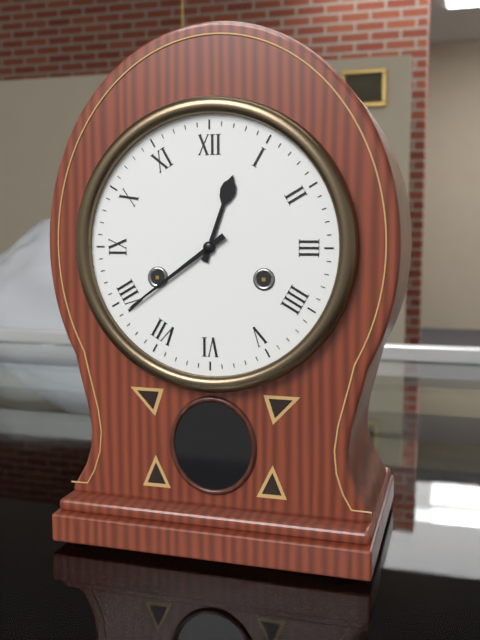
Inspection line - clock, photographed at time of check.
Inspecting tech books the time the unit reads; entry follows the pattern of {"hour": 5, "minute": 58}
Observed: {"hour": 12, "minute": 39}
